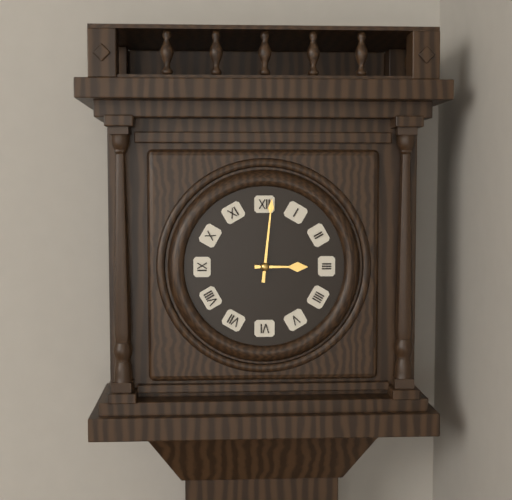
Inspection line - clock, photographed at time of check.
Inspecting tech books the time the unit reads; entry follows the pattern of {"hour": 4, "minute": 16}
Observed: {"hour": 3, "minute": 1}
